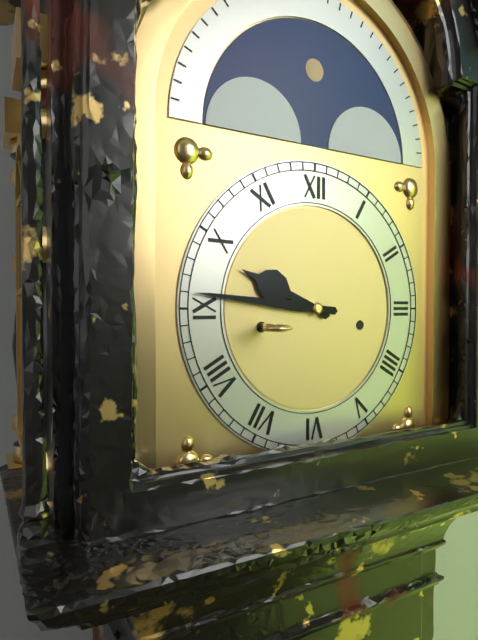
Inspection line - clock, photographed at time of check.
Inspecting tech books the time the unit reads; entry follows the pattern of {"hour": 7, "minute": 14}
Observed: {"hour": 9, "minute": 46}
